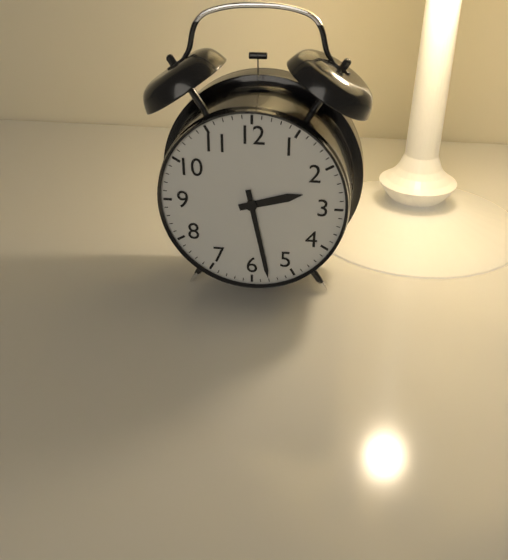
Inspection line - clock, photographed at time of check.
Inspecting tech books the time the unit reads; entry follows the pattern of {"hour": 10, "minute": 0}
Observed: {"hour": 2, "minute": 28}
